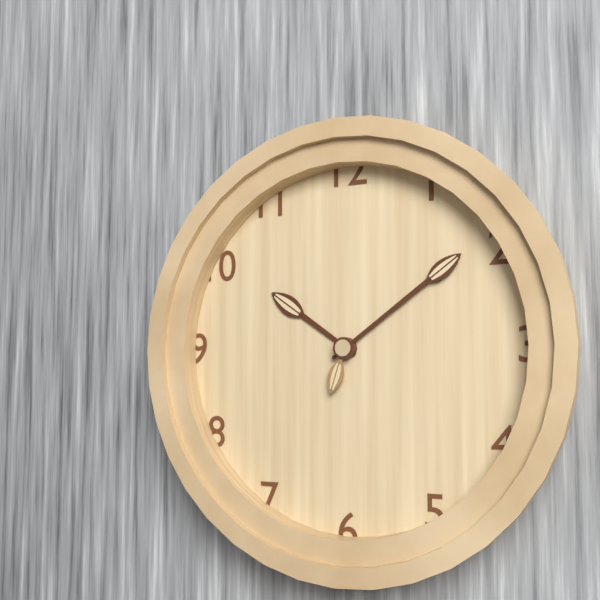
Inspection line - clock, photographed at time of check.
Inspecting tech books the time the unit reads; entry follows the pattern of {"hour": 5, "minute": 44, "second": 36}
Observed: {"hour": 10, "minute": 9, "second": 33}
